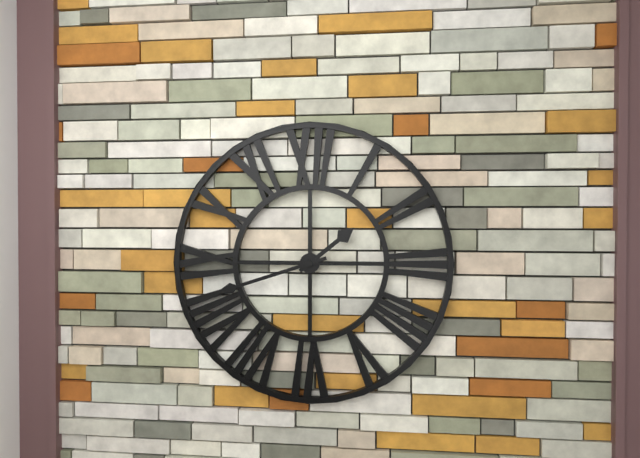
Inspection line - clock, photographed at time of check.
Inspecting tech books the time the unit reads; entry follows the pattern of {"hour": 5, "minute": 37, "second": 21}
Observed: {"hour": 1, "minute": 42, "second": 45}
